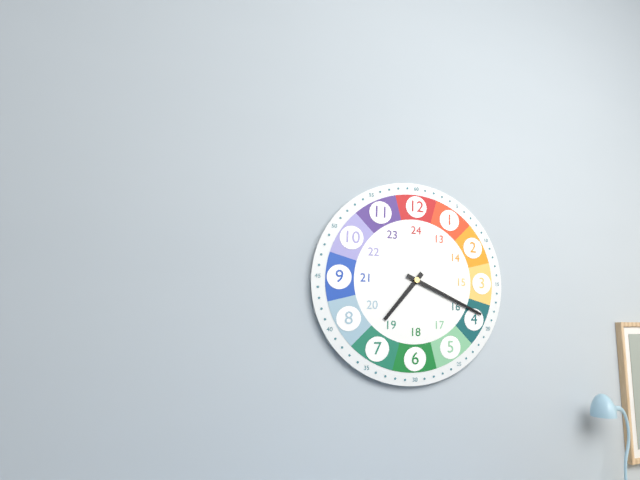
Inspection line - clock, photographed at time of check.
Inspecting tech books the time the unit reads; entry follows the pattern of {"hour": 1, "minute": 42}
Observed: {"hour": 7, "minute": 19}
